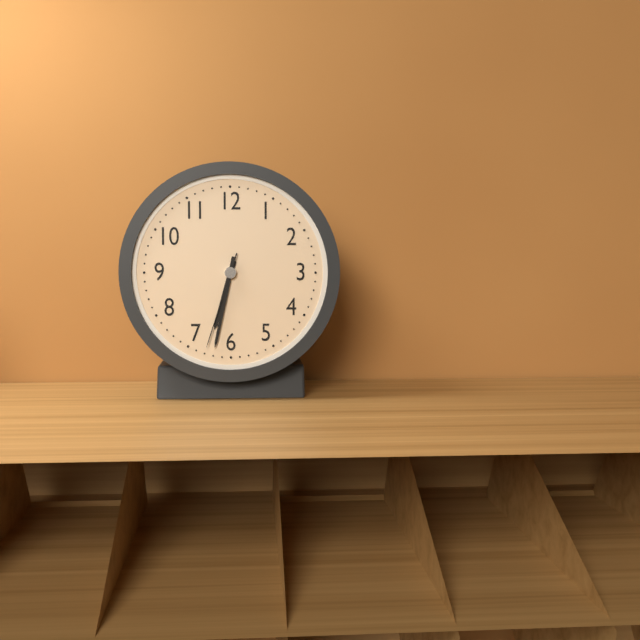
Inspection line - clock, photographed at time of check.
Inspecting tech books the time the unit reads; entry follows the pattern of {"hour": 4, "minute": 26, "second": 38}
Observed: {"hour": 6, "minute": 32, "second": 33}
